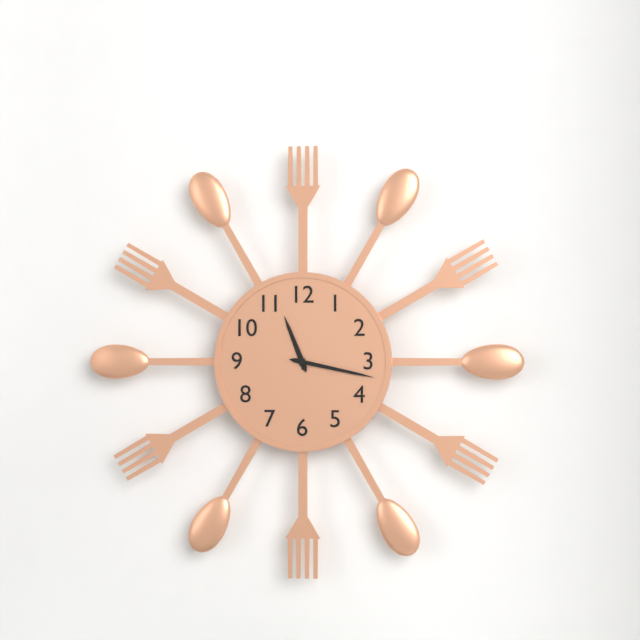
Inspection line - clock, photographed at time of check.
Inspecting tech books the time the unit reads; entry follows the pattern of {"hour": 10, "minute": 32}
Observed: {"hour": 11, "minute": 17}
